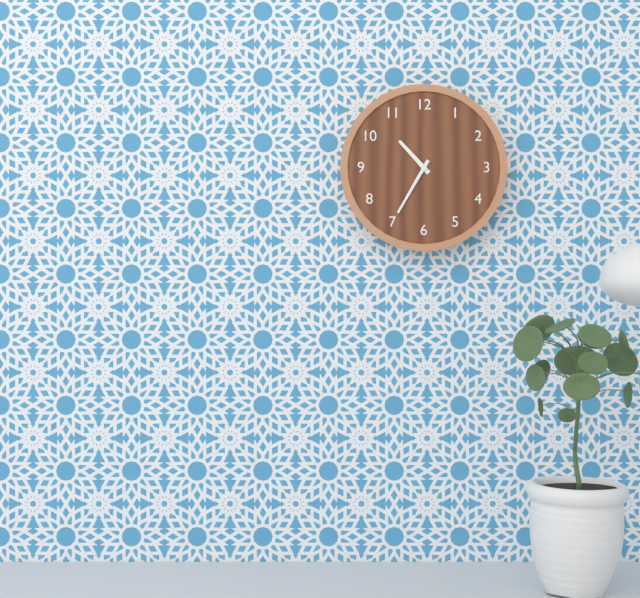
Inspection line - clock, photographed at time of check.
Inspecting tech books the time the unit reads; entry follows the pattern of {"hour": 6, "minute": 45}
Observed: {"hour": 10, "minute": 35}
